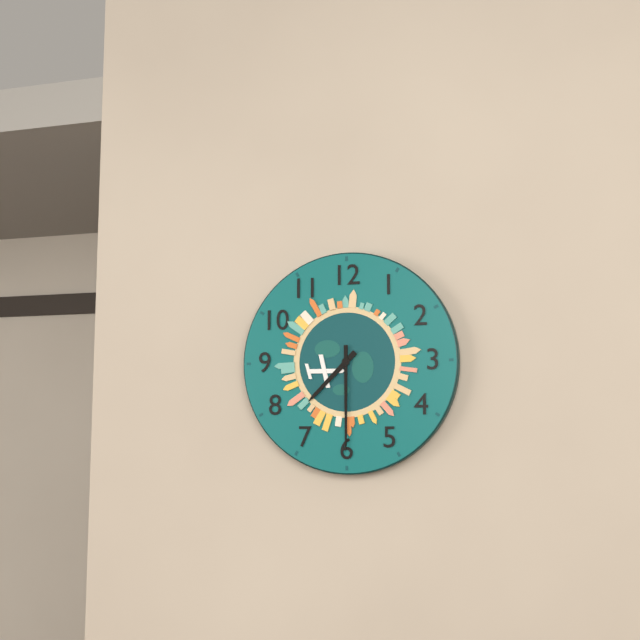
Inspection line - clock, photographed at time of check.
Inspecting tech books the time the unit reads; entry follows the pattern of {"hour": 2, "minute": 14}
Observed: {"hour": 7, "minute": 30}
